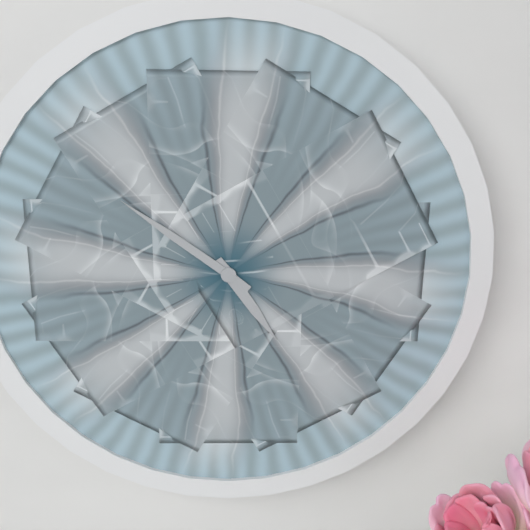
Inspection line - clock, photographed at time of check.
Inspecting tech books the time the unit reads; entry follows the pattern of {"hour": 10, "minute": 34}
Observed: {"hour": 4, "minute": 51}
